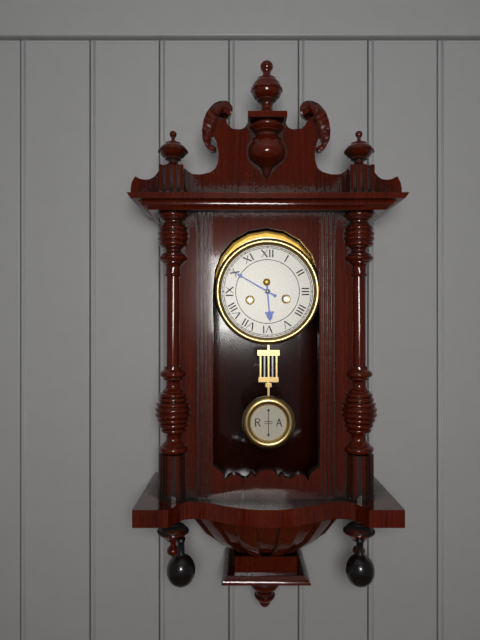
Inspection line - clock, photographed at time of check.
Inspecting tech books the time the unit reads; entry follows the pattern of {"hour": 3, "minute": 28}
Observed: {"hour": 5, "minute": 50}
